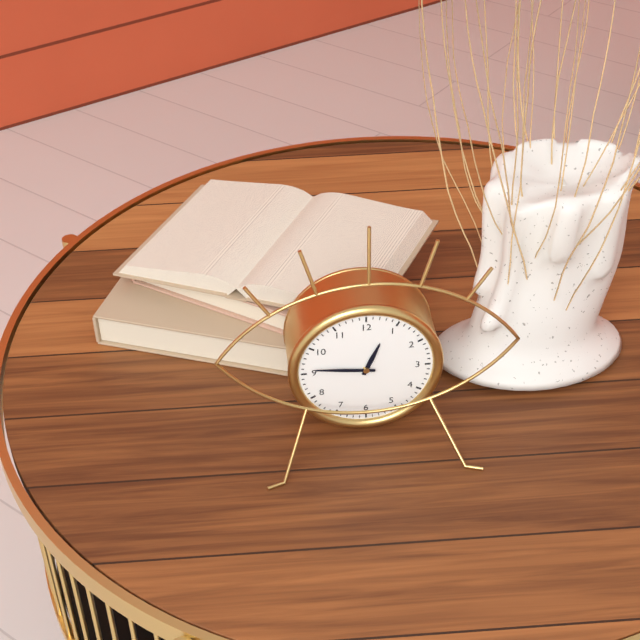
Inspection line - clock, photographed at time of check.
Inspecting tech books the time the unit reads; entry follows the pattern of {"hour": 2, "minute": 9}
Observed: {"hour": 12, "minute": 46}
